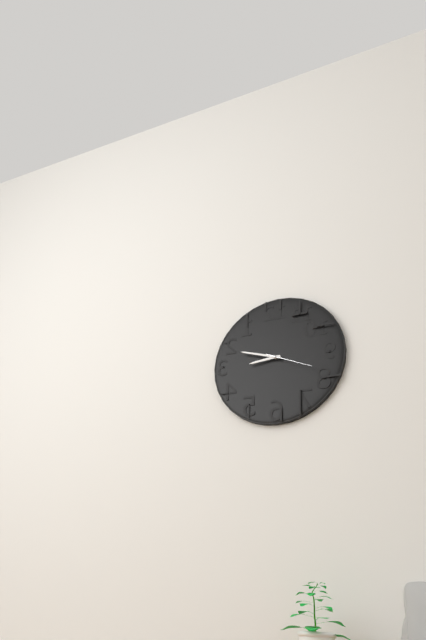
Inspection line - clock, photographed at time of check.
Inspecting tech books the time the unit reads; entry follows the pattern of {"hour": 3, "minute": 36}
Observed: {"hour": 8, "minute": 48}
